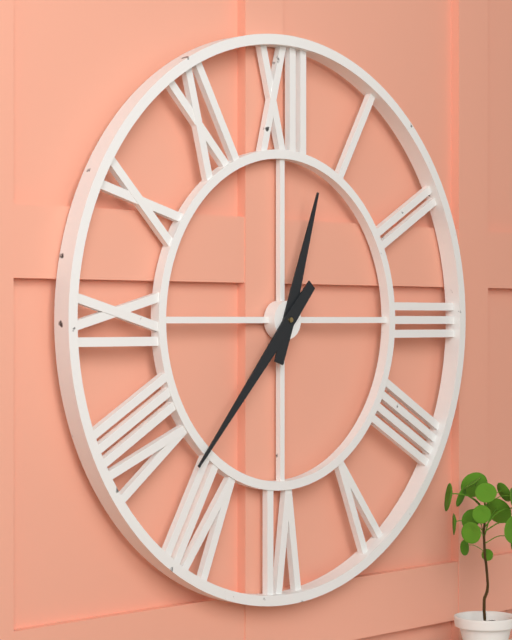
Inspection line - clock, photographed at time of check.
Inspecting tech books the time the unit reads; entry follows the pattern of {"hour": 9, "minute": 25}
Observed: {"hour": 12, "minute": 37}
